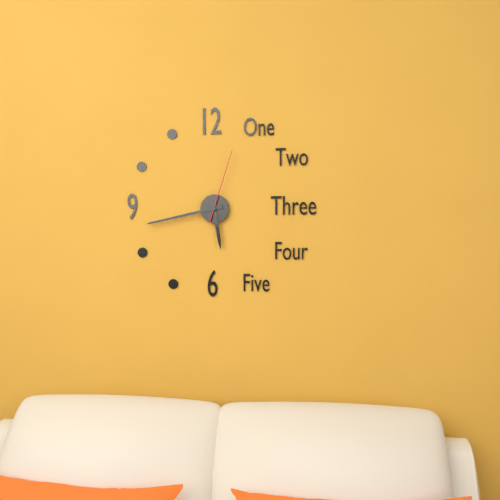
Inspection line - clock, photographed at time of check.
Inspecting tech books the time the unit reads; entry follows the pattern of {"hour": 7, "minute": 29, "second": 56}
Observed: {"hour": 5, "minute": 43, "second": 3}
